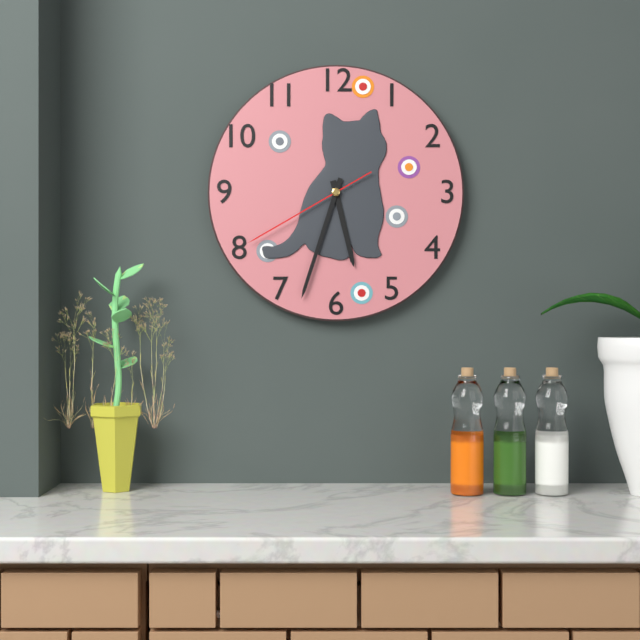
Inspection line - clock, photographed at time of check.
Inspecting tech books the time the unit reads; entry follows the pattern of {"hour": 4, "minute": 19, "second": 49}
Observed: {"hour": 5, "minute": 33, "second": 40}
